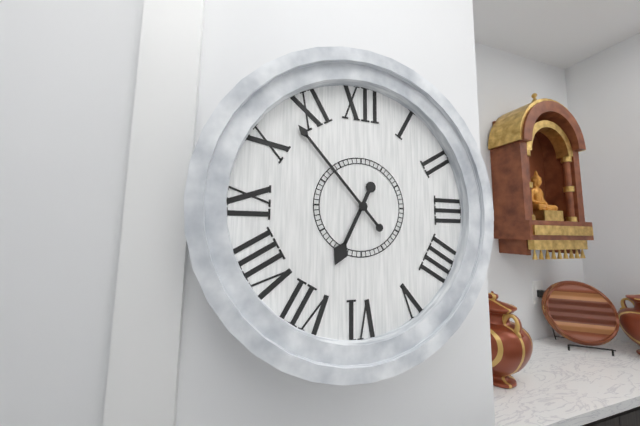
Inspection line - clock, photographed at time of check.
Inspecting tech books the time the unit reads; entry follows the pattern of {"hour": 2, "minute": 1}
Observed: {"hour": 6, "minute": 53}
